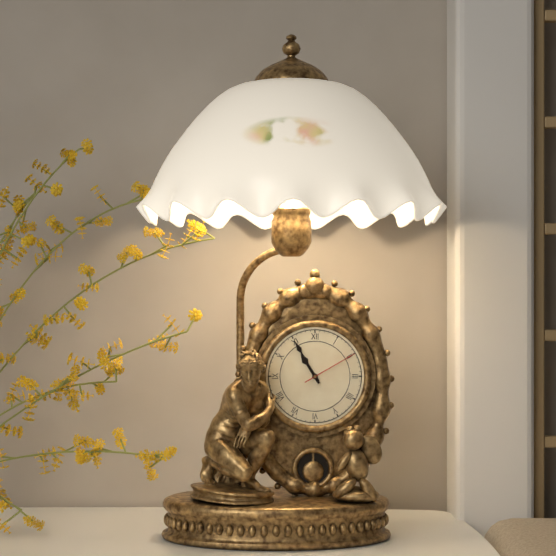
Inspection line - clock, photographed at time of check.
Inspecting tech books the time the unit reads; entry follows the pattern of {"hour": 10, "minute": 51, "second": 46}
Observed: {"hour": 10, "minute": 55, "second": 10}
